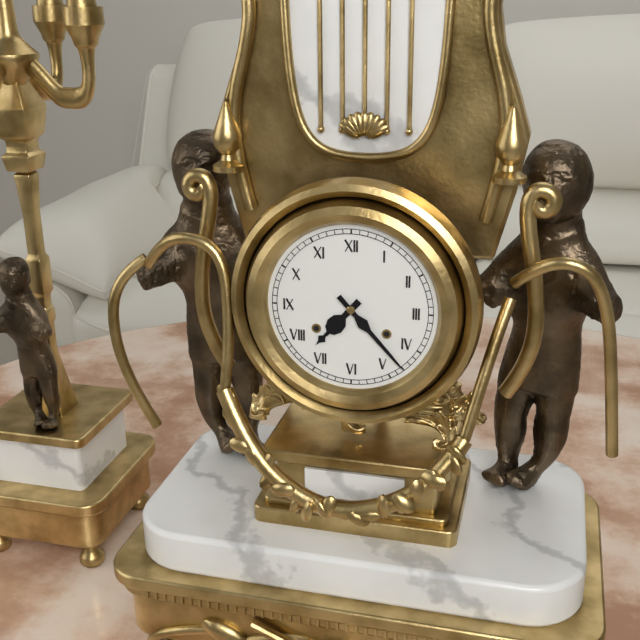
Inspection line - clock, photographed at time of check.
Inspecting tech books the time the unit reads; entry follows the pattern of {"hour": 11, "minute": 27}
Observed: {"hour": 7, "minute": 23}
